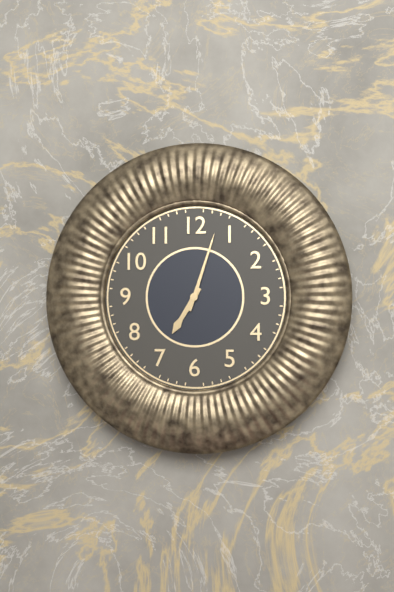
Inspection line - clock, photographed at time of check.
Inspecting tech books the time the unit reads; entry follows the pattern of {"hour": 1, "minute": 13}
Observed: {"hour": 7, "minute": 3}
